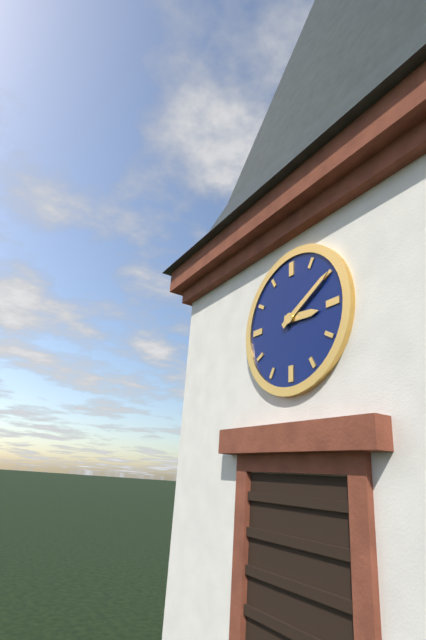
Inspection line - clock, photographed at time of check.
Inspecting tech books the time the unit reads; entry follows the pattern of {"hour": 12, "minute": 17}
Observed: {"hour": 3, "minute": 10}
